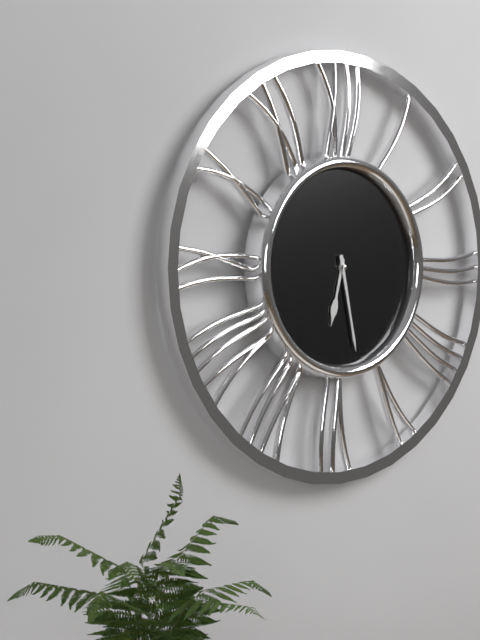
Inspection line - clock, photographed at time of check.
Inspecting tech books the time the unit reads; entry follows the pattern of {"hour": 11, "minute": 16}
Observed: {"hour": 6, "minute": 28}
